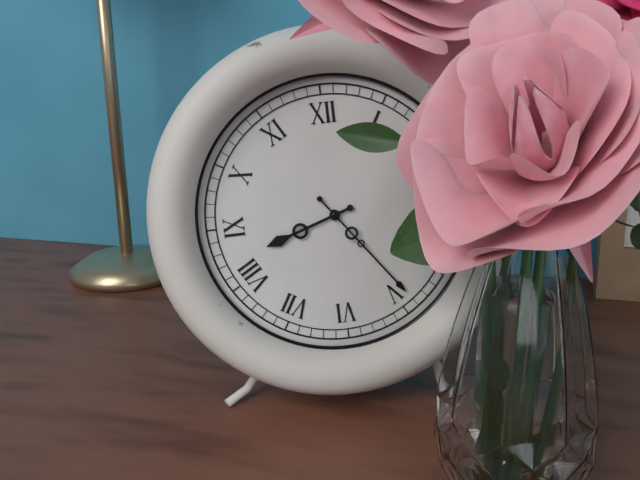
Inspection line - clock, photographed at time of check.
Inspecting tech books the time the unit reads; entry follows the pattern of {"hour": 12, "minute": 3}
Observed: {"hour": 8, "minute": 24}
